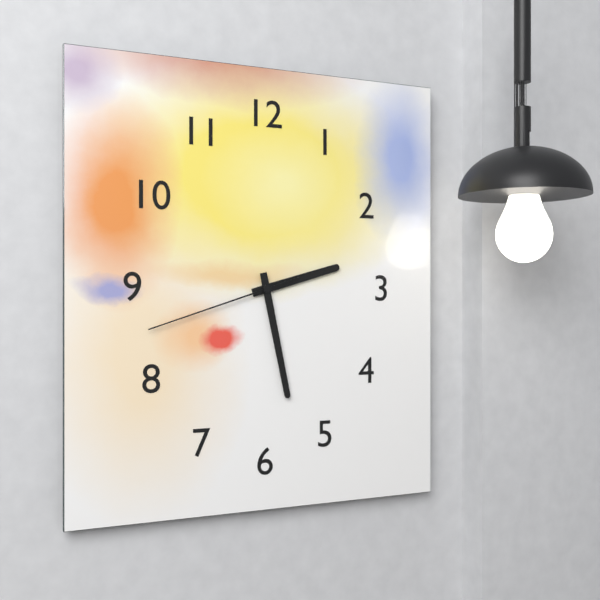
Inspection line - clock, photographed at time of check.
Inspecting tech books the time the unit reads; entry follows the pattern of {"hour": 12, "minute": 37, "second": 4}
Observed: {"hour": 2, "minute": 28, "second": 42}
